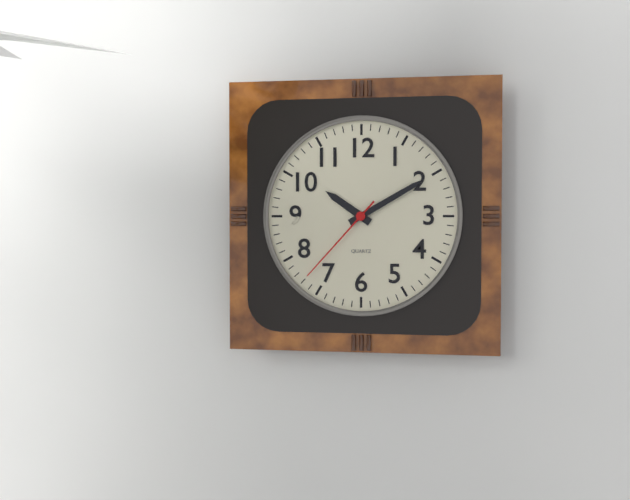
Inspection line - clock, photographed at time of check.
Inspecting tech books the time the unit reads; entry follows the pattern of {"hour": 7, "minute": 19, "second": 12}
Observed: {"hour": 10, "minute": 10, "second": 37}
